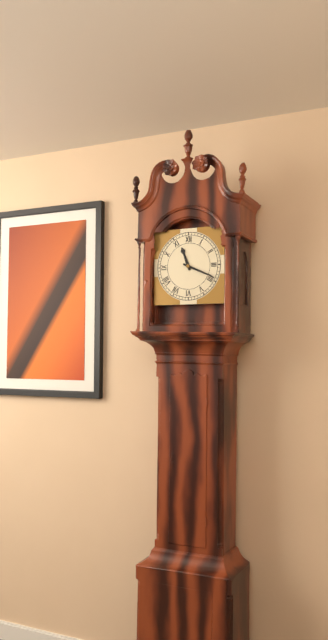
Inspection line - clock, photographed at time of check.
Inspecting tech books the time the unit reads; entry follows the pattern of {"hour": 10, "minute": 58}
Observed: {"hour": 11, "minute": 19}
